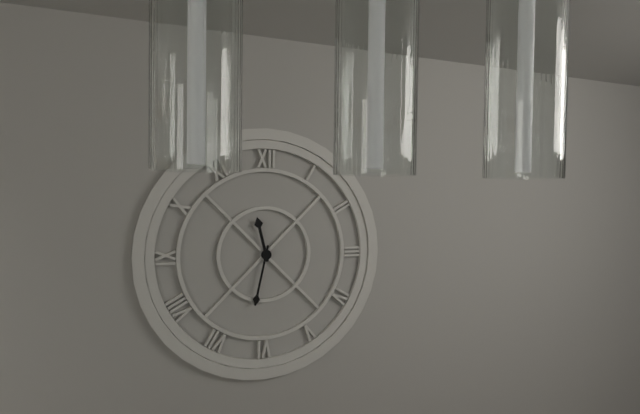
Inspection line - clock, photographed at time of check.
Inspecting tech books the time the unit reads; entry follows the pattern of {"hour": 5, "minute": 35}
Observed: {"hour": 11, "minute": 32}
